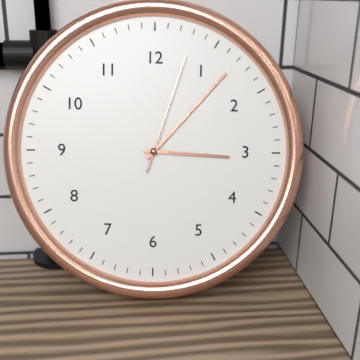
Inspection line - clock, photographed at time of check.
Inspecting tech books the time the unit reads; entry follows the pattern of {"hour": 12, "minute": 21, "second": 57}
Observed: {"hour": 3, "minute": 7, "second": 3}
